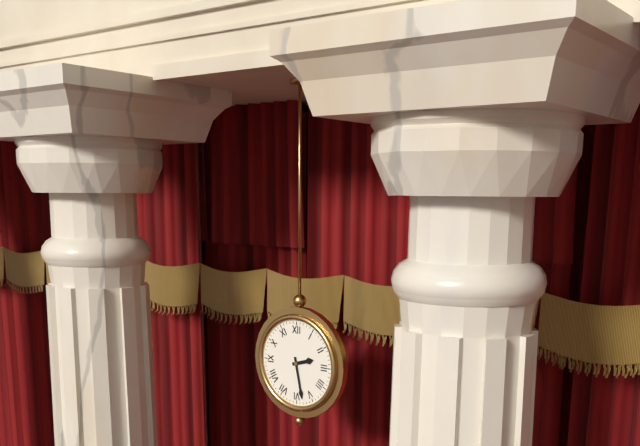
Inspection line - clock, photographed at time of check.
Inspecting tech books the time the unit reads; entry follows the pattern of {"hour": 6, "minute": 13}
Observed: {"hour": 2, "minute": 28}
